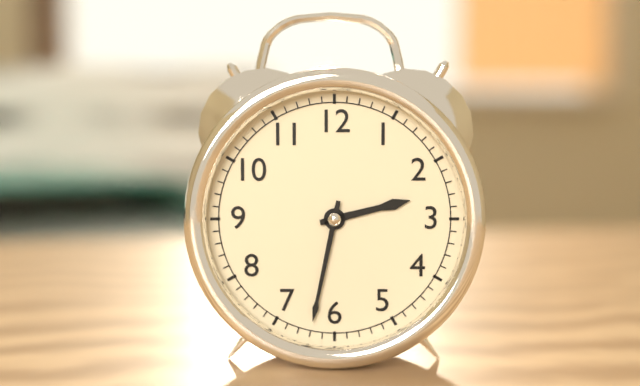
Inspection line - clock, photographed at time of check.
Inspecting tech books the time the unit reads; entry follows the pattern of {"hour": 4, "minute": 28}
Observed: {"hour": 2, "minute": 32}
